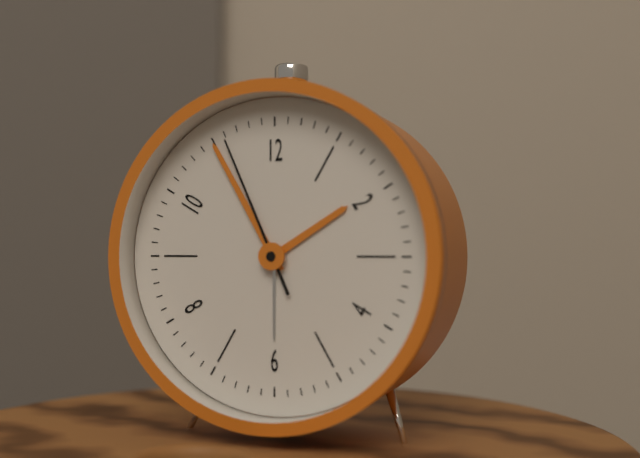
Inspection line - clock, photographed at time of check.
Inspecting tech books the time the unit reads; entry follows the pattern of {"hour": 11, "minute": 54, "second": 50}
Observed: {"hour": 1, "minute": 55, "second": 56}
